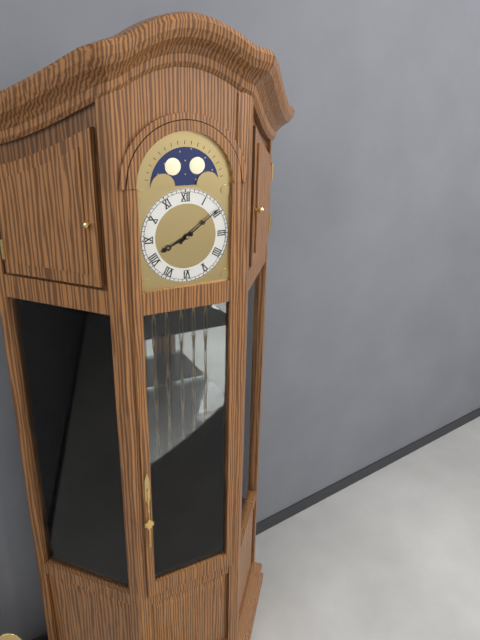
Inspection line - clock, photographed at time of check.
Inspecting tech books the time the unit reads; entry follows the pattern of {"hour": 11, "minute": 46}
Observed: {"hour": 8, "minute": 9}
